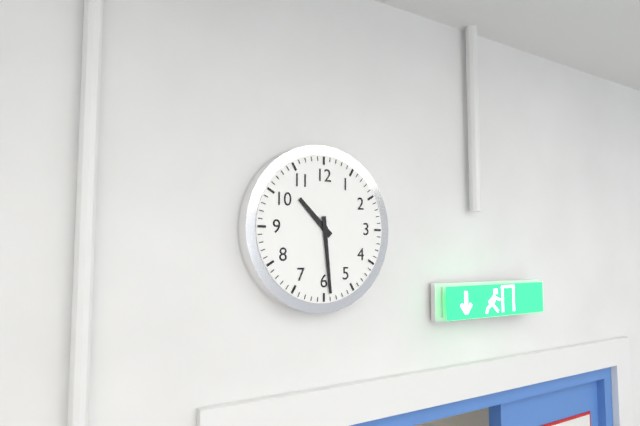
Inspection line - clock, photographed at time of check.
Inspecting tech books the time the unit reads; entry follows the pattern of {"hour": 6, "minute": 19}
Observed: {"hour": 10, "minute": 29}
